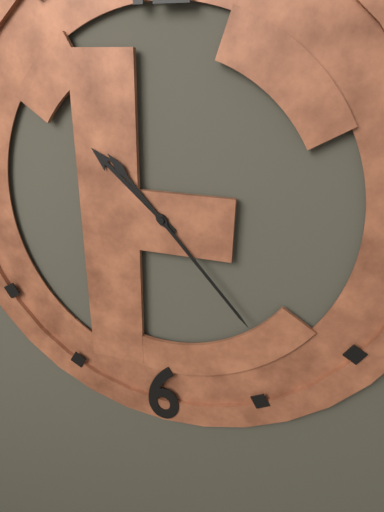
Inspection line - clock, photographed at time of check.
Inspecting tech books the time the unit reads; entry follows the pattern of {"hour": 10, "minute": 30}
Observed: {"hour": 10, "minute": 23}
